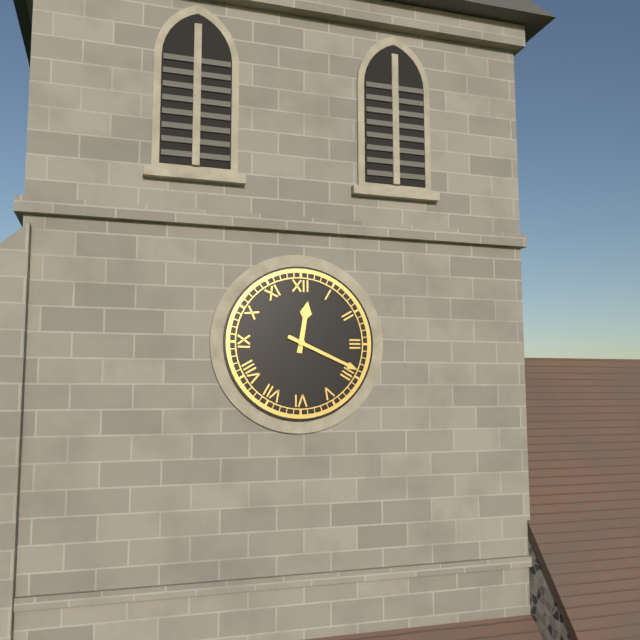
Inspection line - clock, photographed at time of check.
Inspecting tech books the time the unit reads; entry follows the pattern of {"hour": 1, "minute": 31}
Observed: {"hour": 12, "minute": 19}
